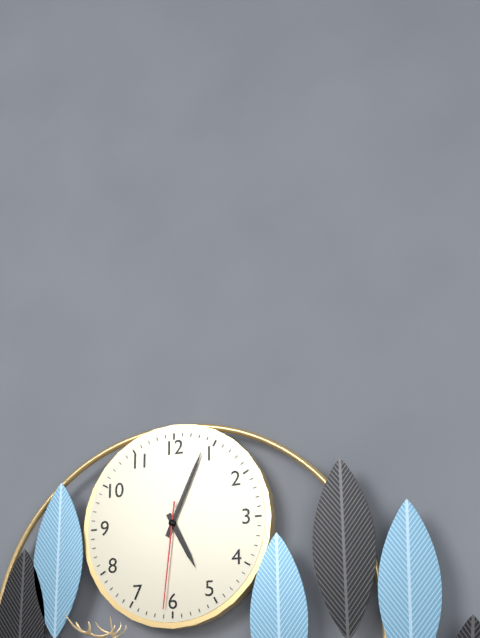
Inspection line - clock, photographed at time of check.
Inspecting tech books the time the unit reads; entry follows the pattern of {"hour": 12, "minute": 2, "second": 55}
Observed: {"hour": 5, "minute": 4, "second": 31}
